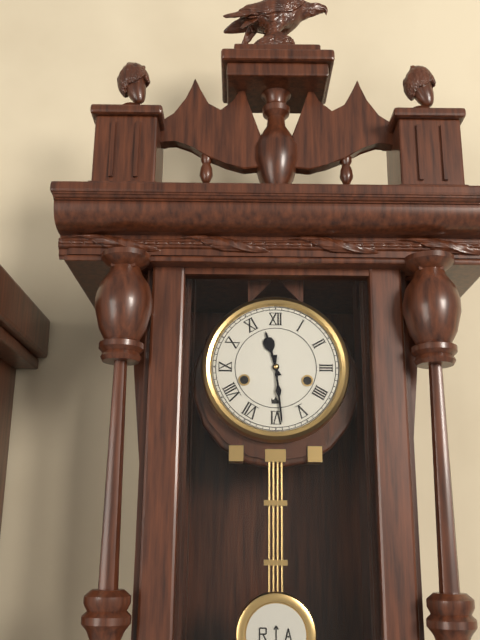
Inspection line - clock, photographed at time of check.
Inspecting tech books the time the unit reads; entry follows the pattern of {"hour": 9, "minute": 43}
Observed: {"hour": 11, "minute": 29}
